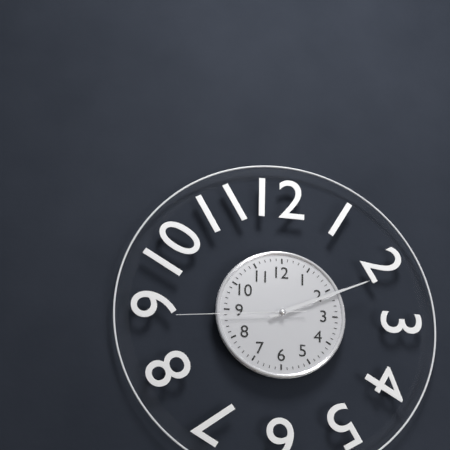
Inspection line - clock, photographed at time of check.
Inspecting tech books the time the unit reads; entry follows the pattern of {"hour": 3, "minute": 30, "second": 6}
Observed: {"hour": 2, "minute": 11, "second": 44}
